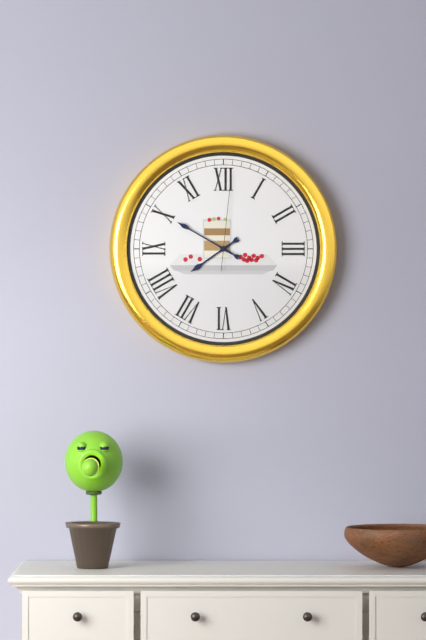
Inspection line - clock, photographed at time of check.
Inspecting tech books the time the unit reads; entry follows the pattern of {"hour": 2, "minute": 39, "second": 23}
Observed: {"hour": 7, "minute": 50, "second": 1}
